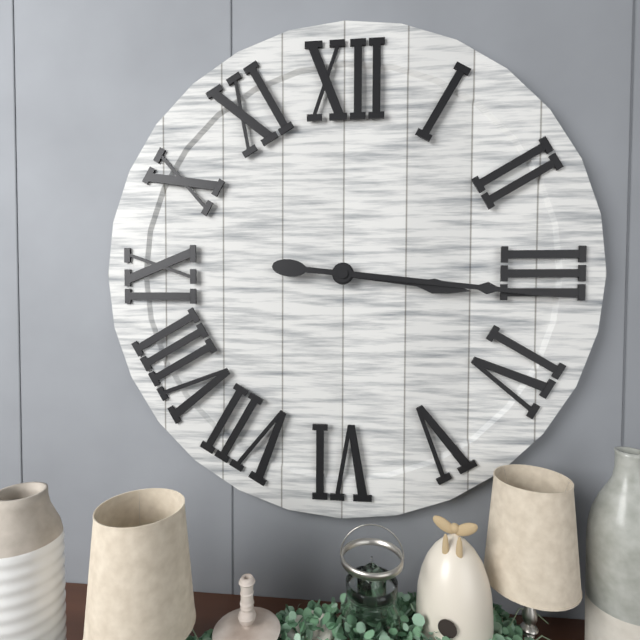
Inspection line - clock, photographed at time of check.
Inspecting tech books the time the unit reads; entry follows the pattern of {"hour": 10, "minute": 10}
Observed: {"hour": 3, "minute": 16}
